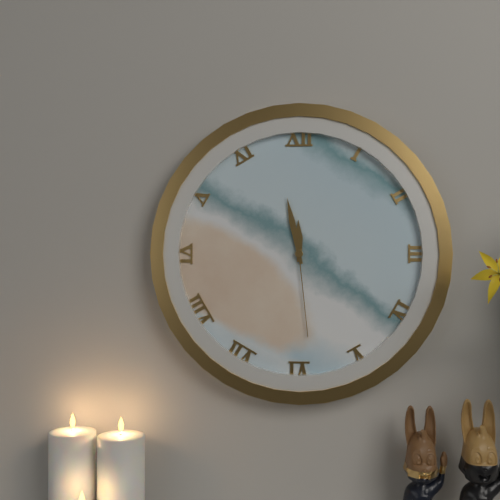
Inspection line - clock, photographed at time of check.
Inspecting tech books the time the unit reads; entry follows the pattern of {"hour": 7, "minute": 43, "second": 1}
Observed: {"hour": 11, "minute": 58, "second": 29}
